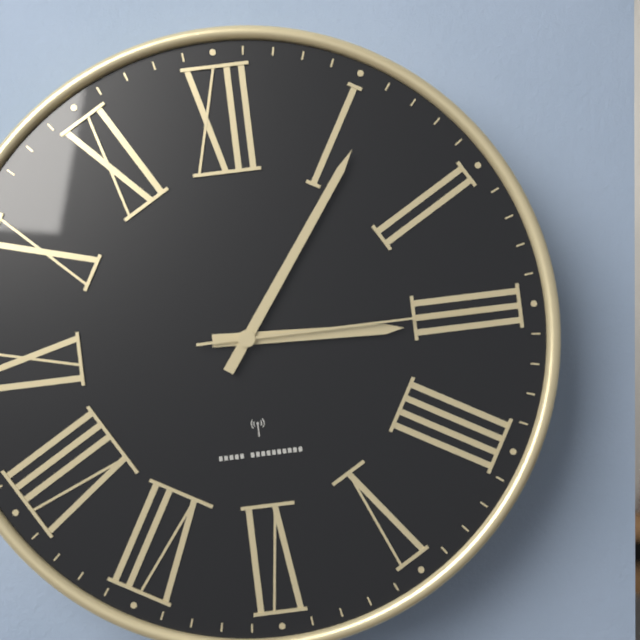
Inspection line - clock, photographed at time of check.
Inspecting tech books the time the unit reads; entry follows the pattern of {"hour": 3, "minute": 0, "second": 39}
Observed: {"hour": 3, "minute": 6, "second": 15}
